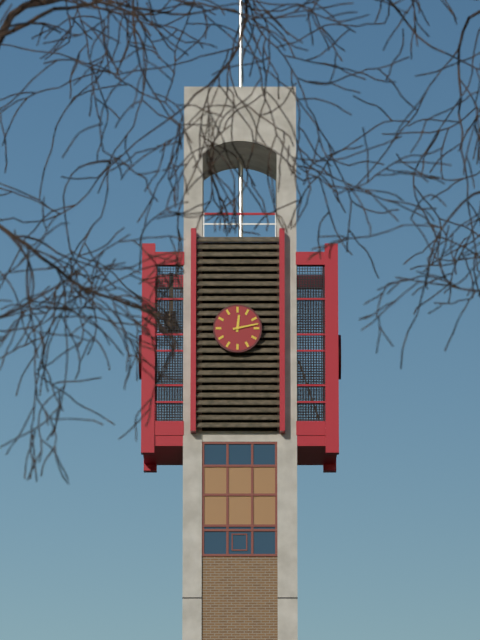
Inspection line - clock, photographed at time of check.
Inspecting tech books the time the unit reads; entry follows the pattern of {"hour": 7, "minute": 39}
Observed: {"hour": 12, "minute": 13}
